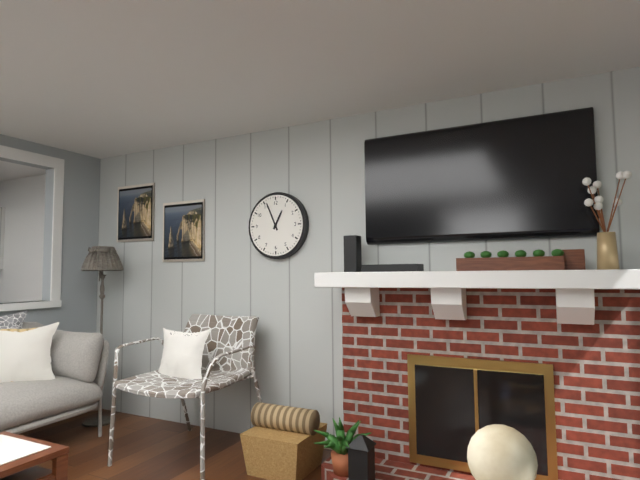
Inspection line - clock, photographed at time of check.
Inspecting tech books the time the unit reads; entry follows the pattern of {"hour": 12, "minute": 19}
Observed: {"hour": 12, "minute": 56}
